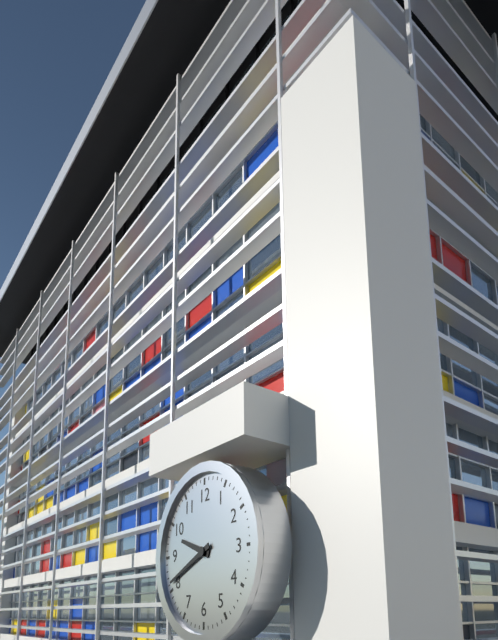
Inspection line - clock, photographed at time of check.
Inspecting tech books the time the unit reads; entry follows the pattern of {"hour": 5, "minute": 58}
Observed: {"hour": 9, "minute": 41}
